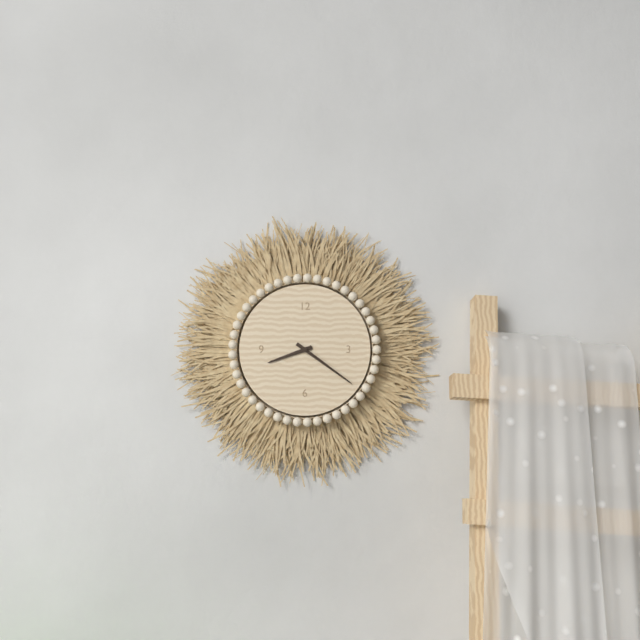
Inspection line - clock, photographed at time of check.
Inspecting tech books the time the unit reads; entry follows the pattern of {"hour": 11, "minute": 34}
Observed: {"hour": 8, "minute": 21}
